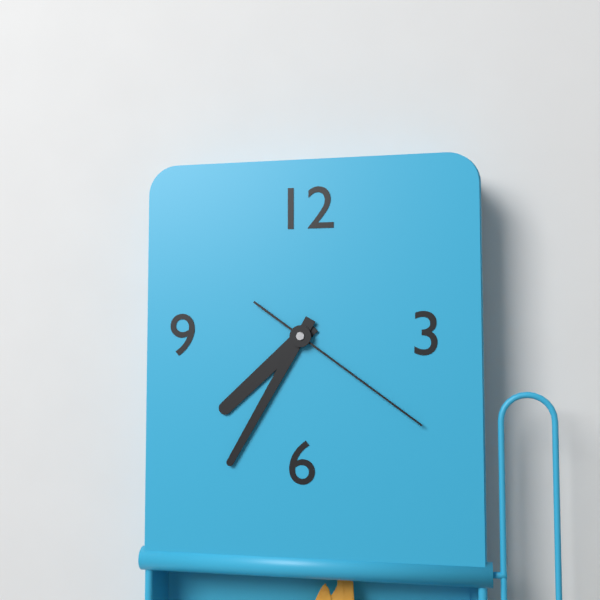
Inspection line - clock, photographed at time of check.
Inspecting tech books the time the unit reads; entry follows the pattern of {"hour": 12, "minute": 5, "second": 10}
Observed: {"hour": 7, "minute": 35, "second": 21}
